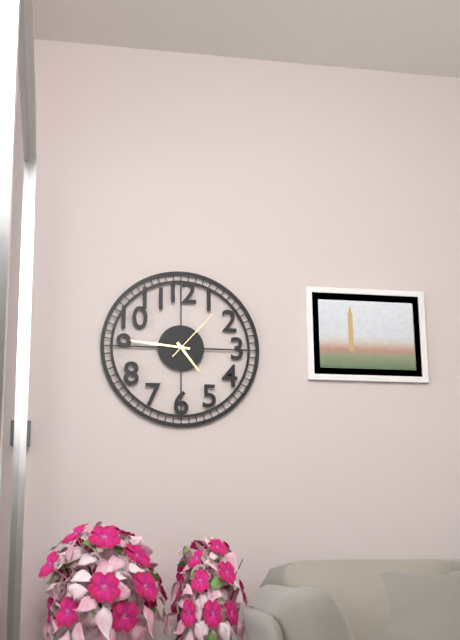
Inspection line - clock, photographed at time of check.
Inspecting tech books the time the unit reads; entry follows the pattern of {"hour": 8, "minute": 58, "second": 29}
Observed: {"hour": 4, "minute": 46, "second": 7}
